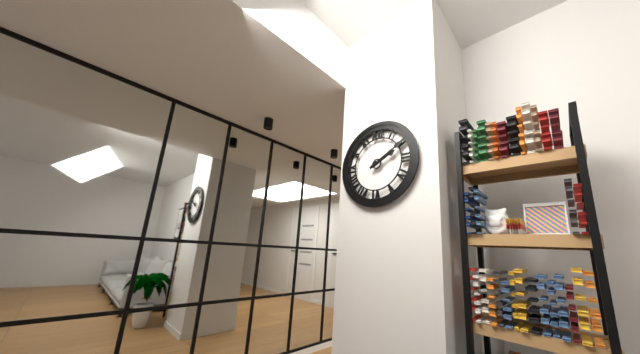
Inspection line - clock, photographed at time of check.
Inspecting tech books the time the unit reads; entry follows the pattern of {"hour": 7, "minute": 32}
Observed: {"hour": 2, "minute": 10}
